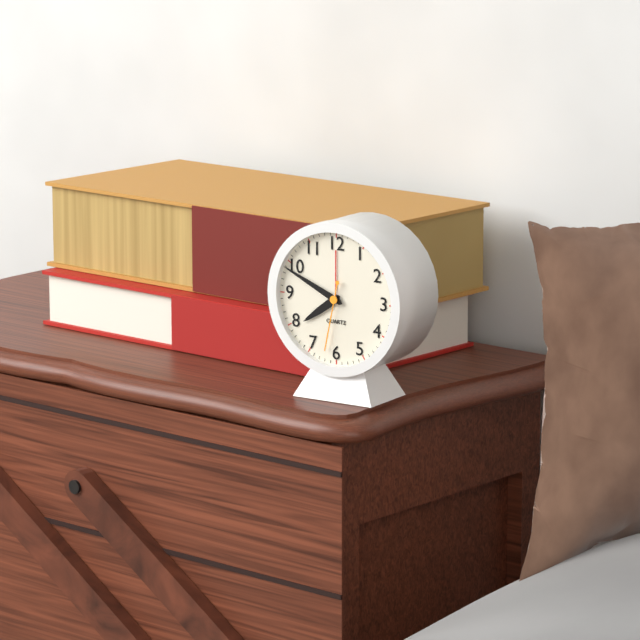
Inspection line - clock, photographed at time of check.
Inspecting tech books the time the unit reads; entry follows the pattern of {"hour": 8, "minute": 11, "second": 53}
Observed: {"hour": 7, "minute": 49, "second": 32}
